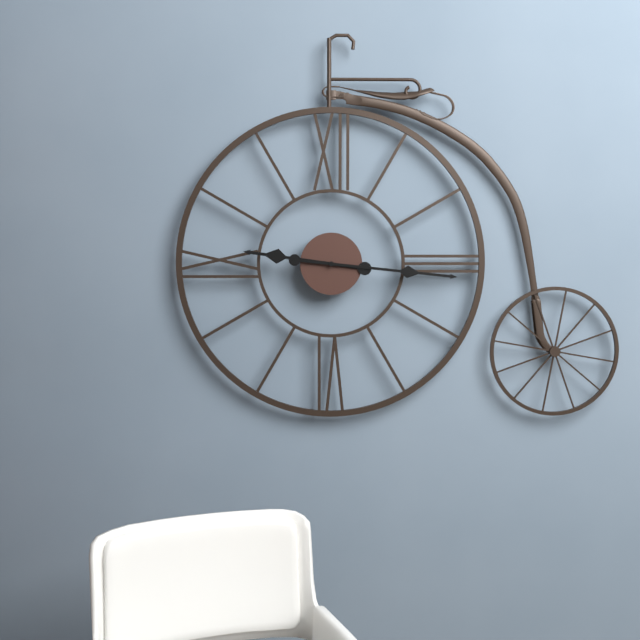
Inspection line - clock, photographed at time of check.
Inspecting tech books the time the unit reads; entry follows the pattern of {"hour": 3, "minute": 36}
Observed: {"hour": 9, "minute": 16}
